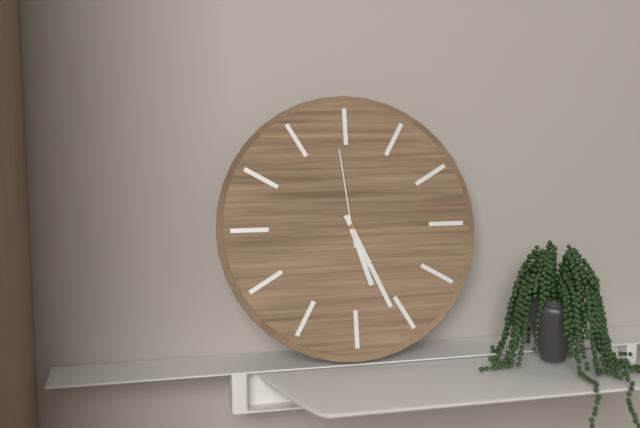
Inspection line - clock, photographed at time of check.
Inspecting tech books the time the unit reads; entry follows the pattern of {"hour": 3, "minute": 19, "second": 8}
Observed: {"hour": 5, "minute": 26, "second": 59}
